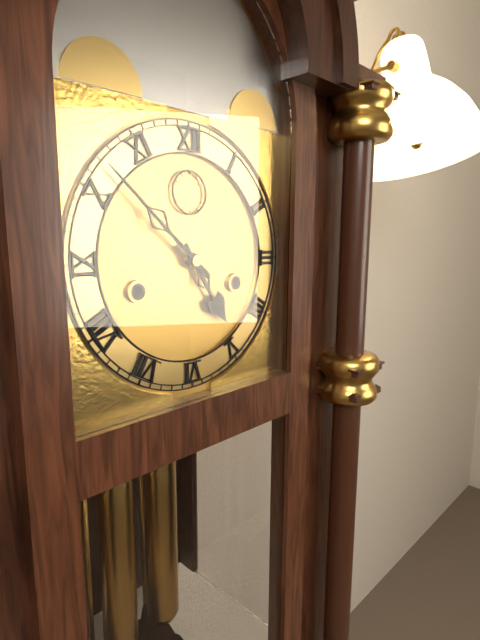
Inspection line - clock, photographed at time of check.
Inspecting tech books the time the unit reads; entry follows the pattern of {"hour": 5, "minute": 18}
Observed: {"hour": 4, "minute": 52}
